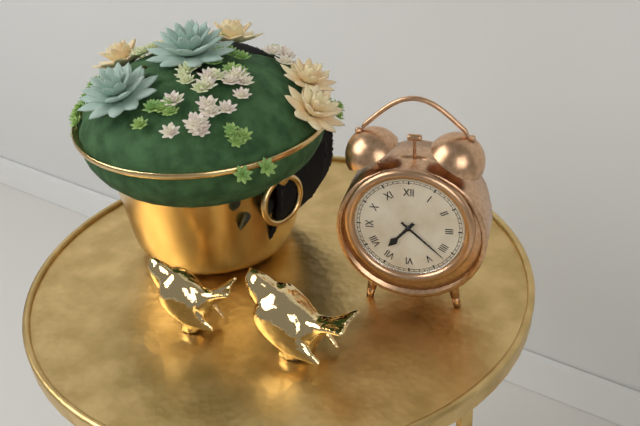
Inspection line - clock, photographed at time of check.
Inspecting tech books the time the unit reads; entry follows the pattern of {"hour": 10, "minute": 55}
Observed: {"hour": 7, "minute": 22}
